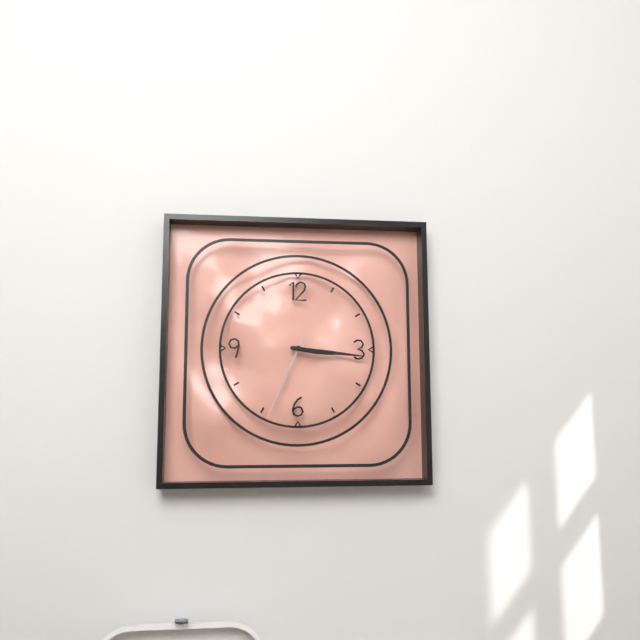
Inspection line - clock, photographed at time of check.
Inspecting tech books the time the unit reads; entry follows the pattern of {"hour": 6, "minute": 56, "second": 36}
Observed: {"hour": 3, "minute": 16, "second": 34}
